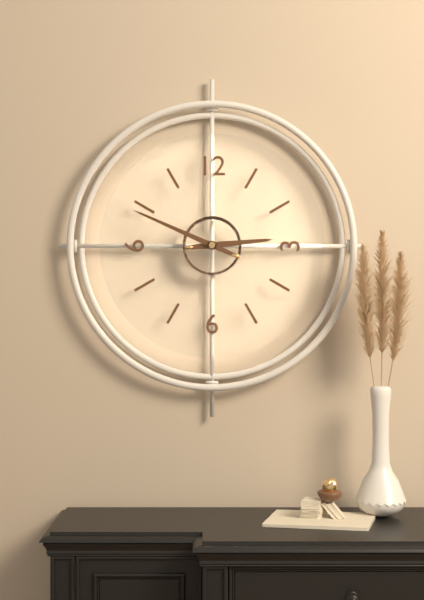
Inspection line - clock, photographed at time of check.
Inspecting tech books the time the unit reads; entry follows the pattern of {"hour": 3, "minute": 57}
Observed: {"hour": 2, "minute": 49}
